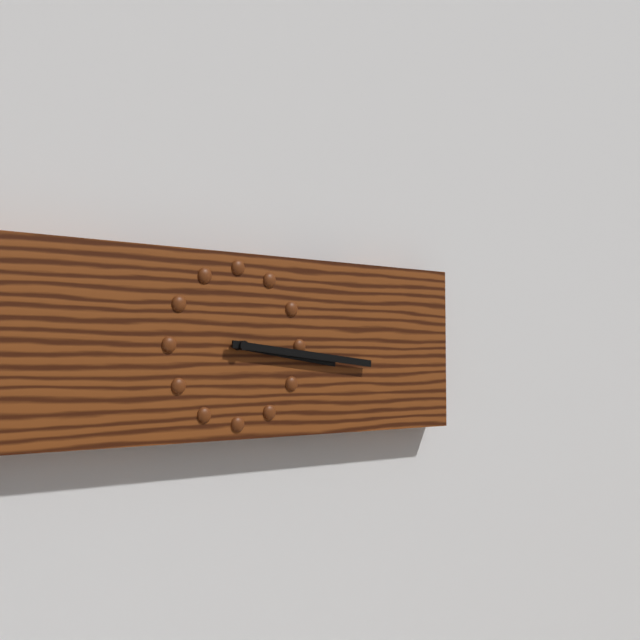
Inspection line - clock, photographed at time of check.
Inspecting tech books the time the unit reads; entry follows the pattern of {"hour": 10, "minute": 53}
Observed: {"hour": 3, "minute": 16}
